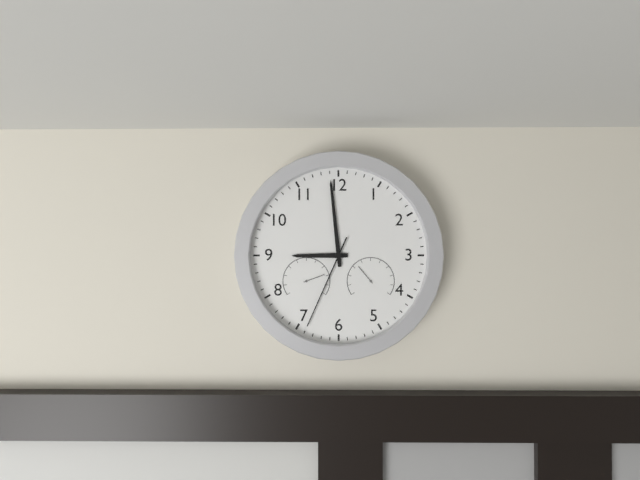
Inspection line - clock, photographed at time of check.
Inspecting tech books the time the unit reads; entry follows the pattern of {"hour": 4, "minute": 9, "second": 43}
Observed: {"hour": 8, "minute": 59, "second": 34}
